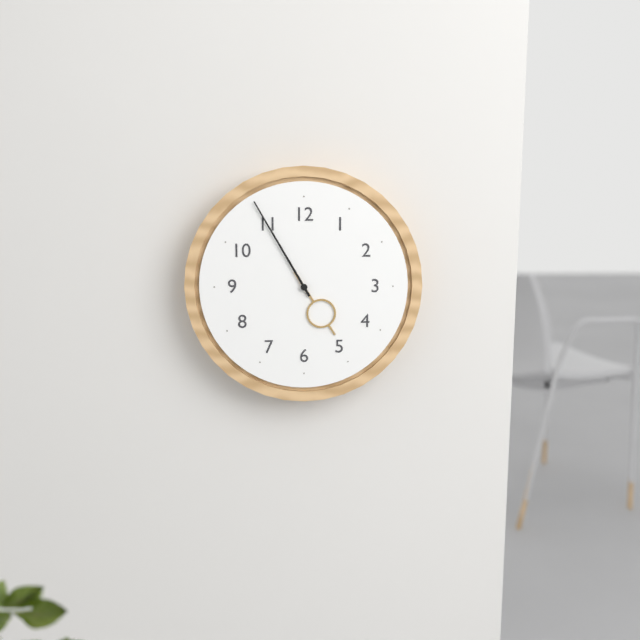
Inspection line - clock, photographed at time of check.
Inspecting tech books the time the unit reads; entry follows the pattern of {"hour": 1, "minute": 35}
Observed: {"hour": 4, "minute": 55}
